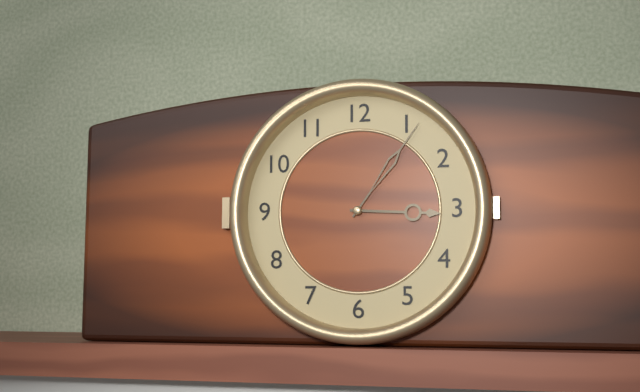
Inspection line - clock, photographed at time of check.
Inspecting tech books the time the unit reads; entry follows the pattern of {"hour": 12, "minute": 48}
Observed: {"hour": 3, "minute": 6}
